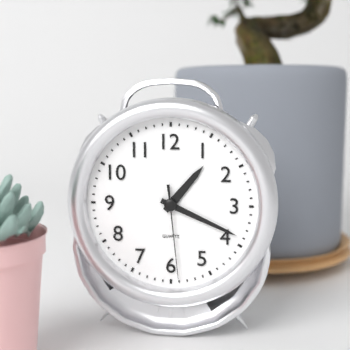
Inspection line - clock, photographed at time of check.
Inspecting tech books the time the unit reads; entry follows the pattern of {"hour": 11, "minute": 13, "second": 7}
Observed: {"hour": 1, "minute": 19, "second": 29}
